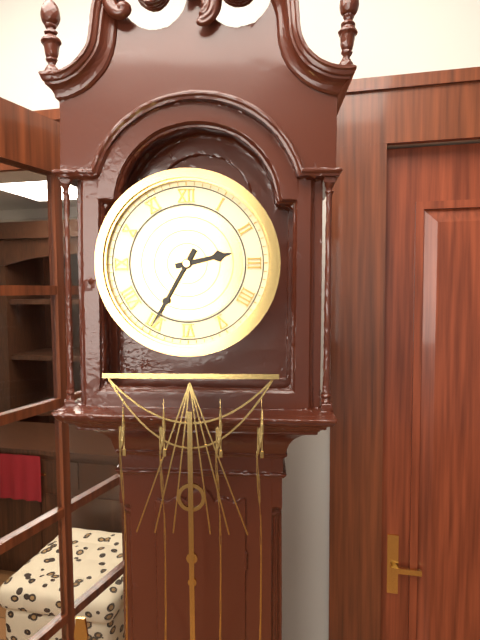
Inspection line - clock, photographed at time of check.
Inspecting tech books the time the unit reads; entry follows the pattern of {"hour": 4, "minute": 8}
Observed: {"hour": 2, "minute": 35}
